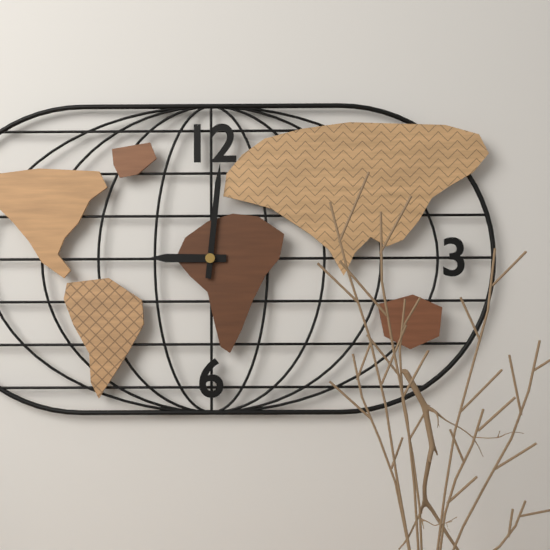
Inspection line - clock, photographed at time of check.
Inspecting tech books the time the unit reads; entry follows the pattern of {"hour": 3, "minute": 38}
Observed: {"hour": 9, "minute": 1}
